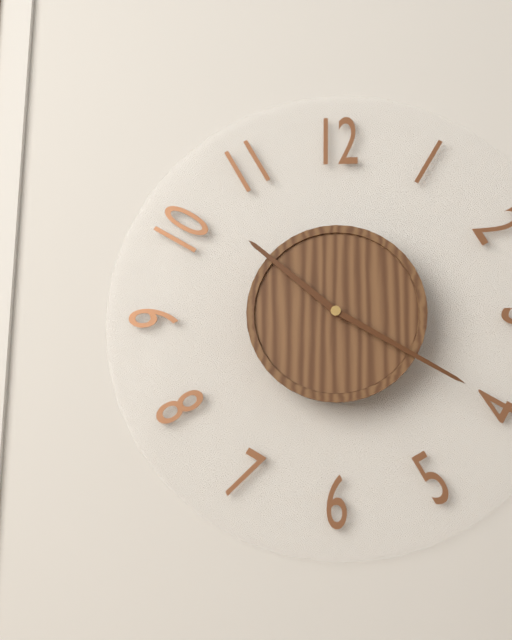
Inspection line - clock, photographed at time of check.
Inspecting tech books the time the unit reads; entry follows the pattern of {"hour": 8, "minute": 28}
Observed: {"hour": 10, "minute": 20}
